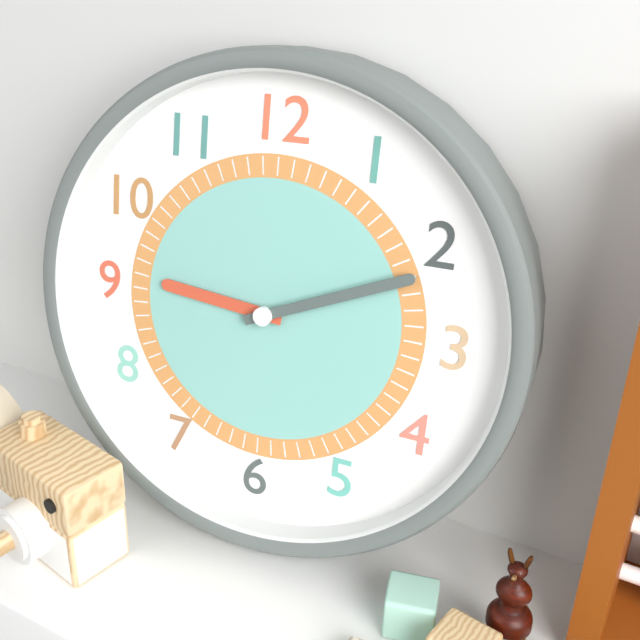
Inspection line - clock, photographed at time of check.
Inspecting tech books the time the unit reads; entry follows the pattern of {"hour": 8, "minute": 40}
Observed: {"hour": 9, "minute": 11}
